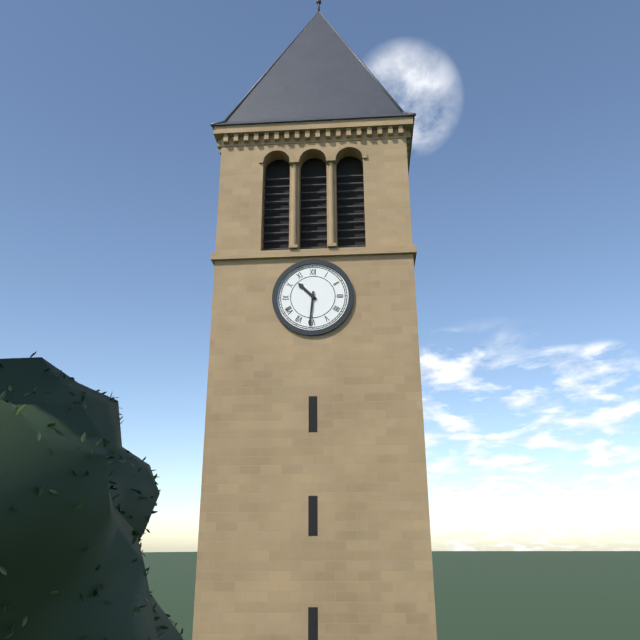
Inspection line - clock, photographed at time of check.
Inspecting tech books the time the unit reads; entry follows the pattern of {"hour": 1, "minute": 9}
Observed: {"hour": 10, "minute": 31}
